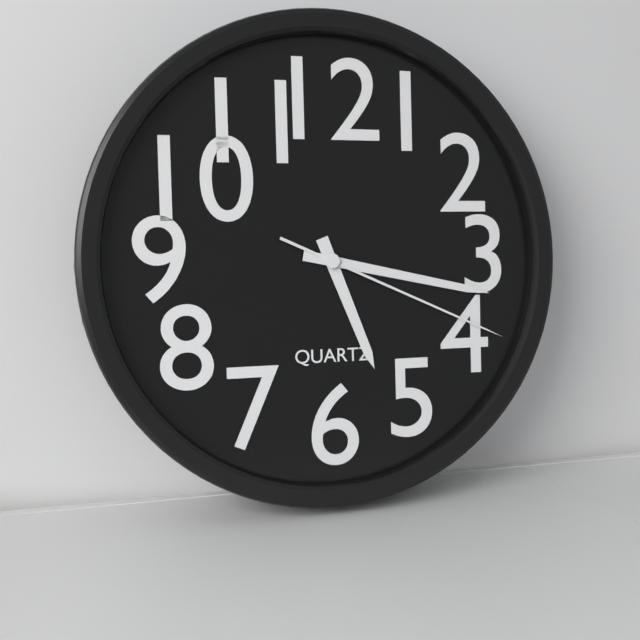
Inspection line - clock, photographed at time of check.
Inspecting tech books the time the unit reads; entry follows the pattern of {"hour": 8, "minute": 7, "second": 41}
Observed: {"hour": 5, "minute": 17, "second": 19}
